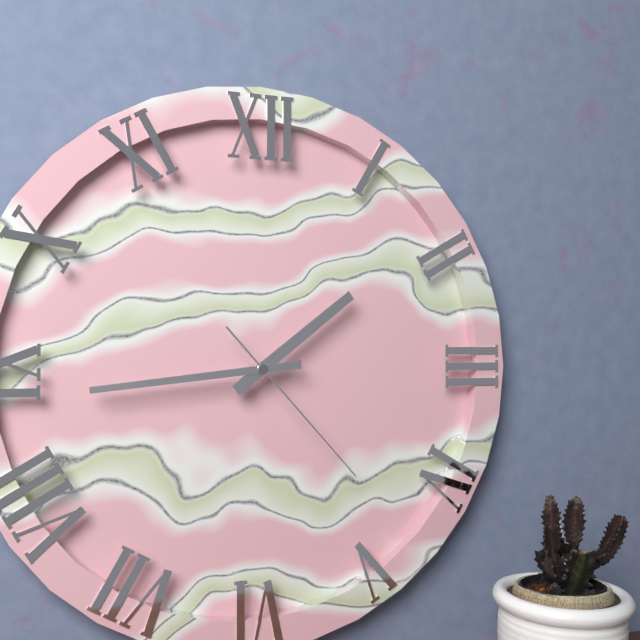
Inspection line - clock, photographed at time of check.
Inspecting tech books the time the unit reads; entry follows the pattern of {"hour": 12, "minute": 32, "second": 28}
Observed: {"hour": 1, "minute": 44, "second": 23}
